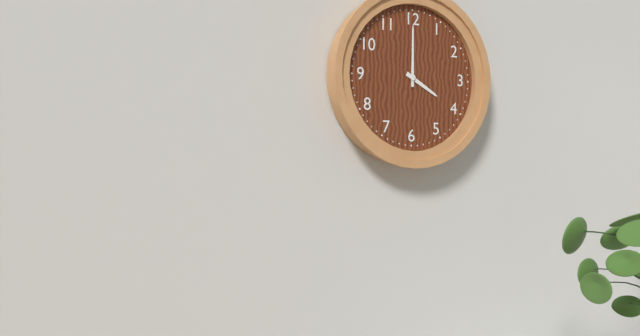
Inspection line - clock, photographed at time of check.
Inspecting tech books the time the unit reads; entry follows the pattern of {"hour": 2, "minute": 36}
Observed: {"hour": 4, "minute": 0}
